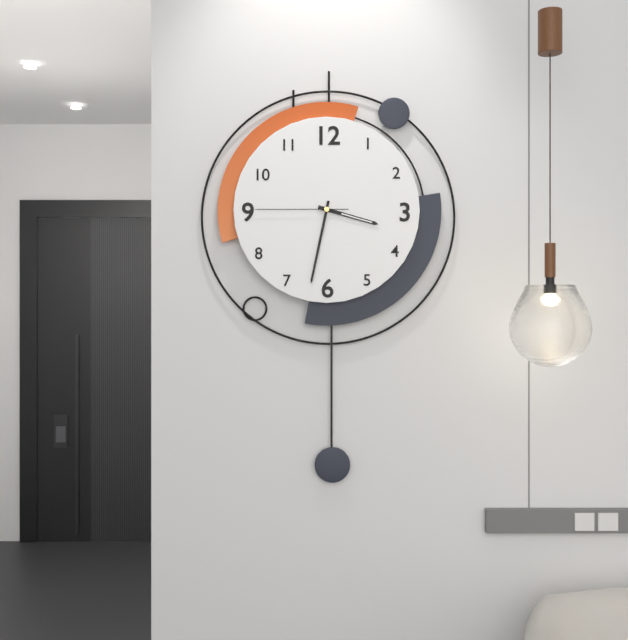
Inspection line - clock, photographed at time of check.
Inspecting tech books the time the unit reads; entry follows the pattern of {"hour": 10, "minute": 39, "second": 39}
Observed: {"hour": 3, "minute": 32, "second": 45}
